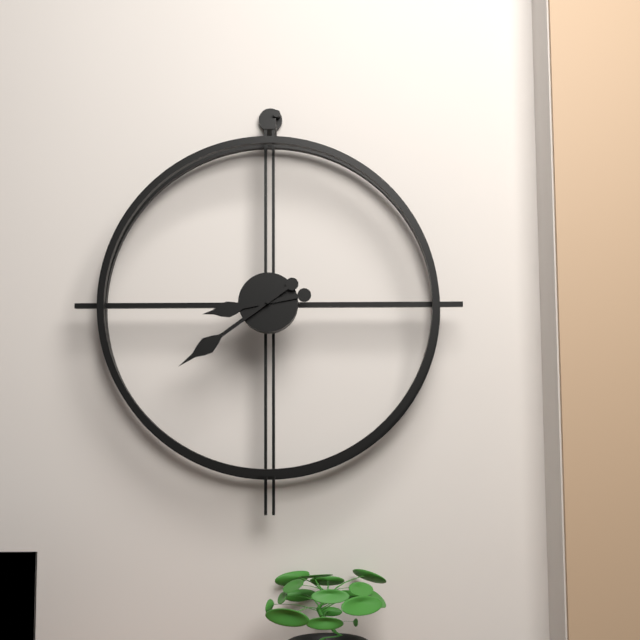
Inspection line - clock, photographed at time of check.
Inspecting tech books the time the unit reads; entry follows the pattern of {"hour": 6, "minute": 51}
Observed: {"hour": 8, "minute": 39}
